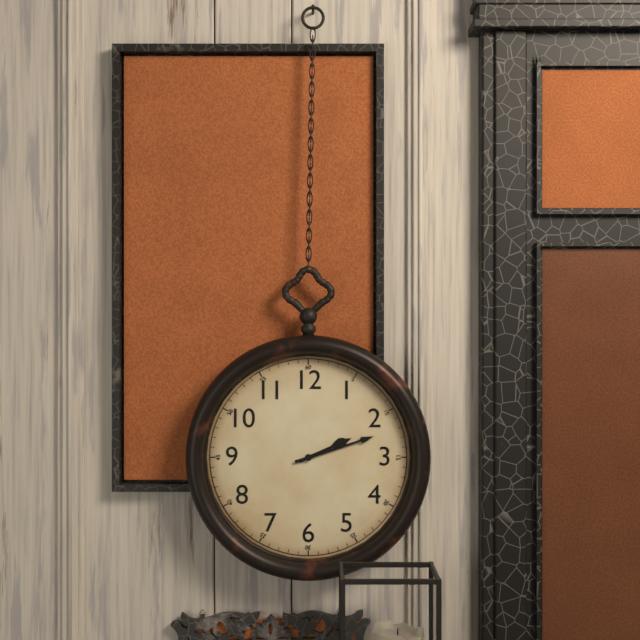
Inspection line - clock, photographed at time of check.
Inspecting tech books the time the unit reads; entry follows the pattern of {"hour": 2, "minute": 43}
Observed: {"hour": 2, "minute": 12}
